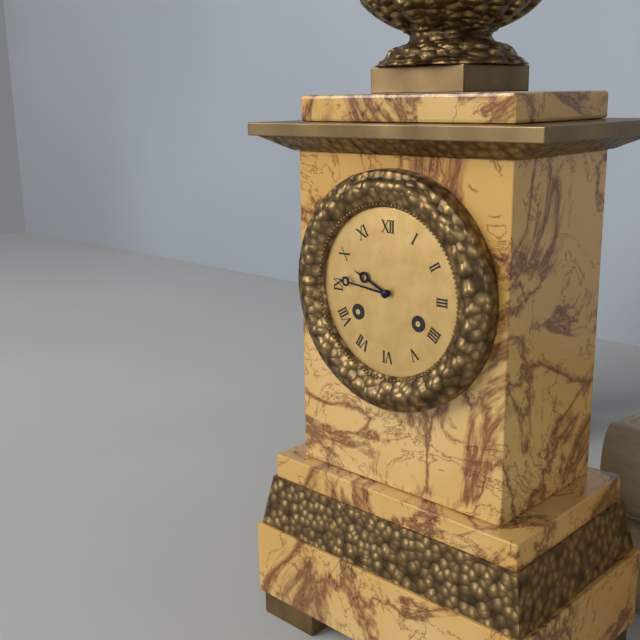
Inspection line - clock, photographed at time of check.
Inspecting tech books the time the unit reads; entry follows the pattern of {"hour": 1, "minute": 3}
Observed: {"hour": 9, "minute": 46}
